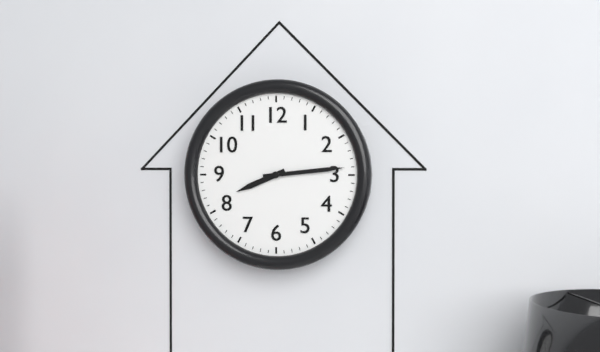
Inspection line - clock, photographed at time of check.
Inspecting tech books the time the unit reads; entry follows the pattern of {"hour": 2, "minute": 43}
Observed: {"hour": 8, "minute": 14}
